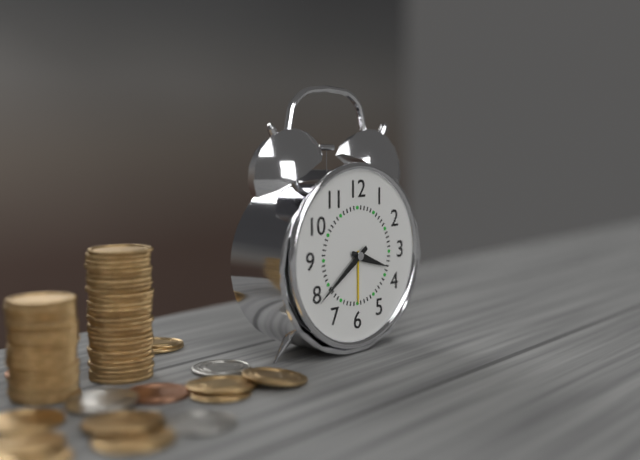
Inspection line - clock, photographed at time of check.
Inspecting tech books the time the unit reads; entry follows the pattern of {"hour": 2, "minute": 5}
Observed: {"hour": 3, "minute": 39}
